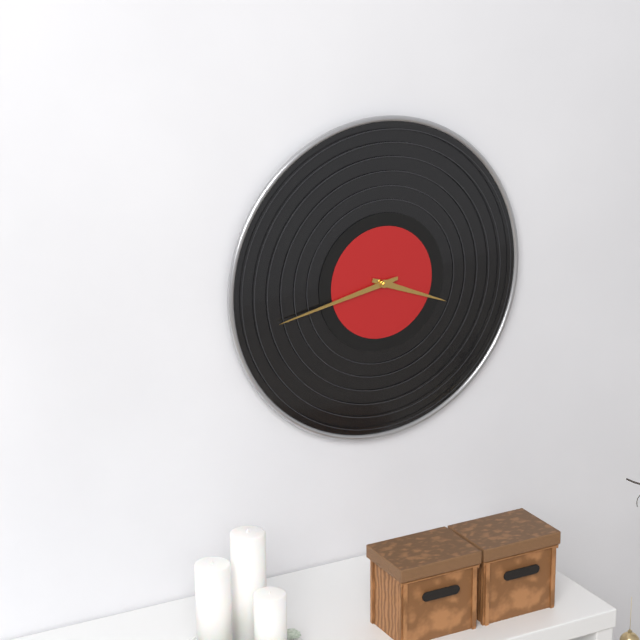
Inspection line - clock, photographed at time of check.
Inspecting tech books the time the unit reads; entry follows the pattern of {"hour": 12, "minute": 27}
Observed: {"hour": 3, "minute": 43}
